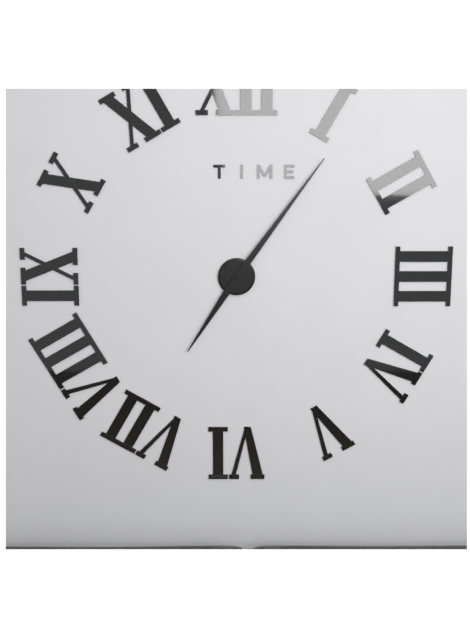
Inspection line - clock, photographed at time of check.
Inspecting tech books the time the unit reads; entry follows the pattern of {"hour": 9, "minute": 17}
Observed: {"hour": 7, "minute": 6}
